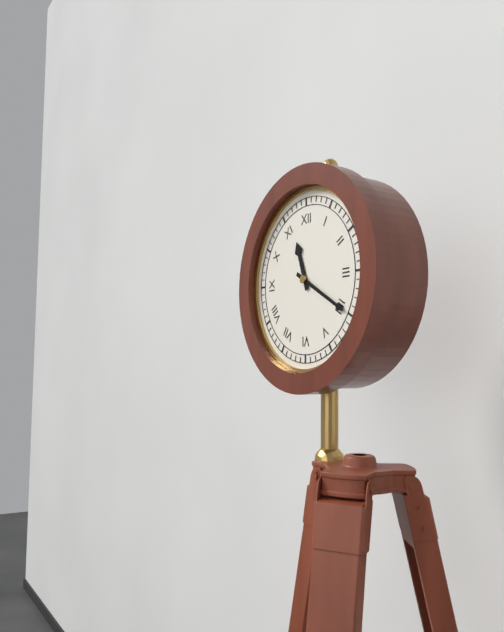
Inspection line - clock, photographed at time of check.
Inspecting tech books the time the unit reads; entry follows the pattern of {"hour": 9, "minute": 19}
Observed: {"hour": 11, "minute": 20}
